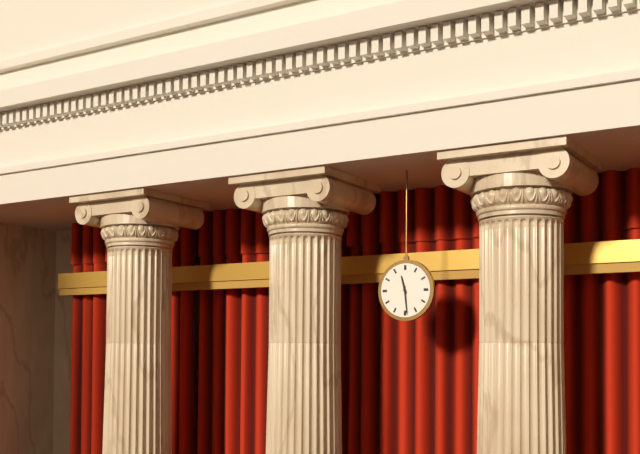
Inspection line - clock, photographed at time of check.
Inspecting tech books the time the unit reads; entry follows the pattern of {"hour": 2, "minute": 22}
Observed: {"hour": 11, "minute": 29}
